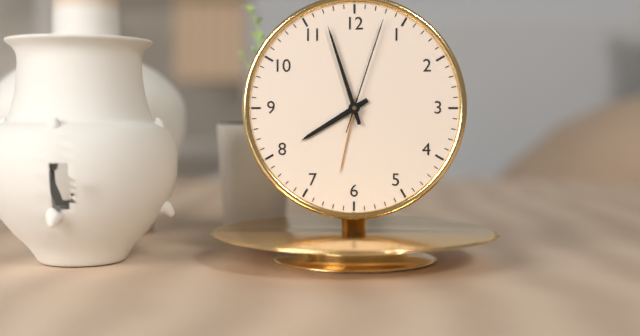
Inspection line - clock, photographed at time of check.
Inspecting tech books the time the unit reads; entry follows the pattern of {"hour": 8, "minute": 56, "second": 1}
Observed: {"hour": 7, "minute": 57, "second": 3}
